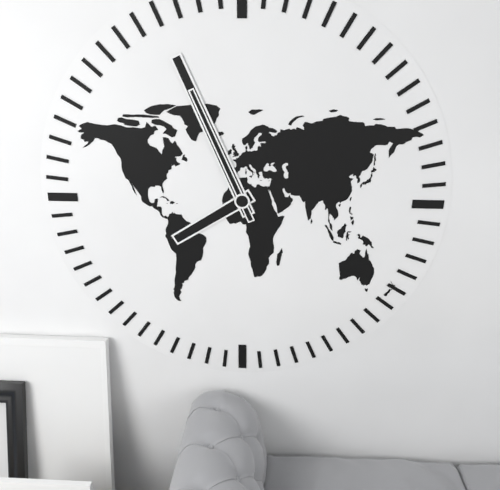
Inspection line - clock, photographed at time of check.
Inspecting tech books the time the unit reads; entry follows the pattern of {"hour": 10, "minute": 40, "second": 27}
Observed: {"hour": 7, "minute": 56, "second": 56}
